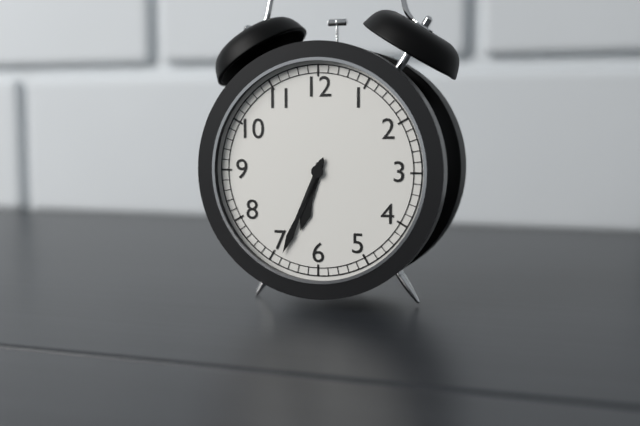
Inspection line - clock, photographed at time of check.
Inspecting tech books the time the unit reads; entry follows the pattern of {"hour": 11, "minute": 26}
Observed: {"hour": 6, "minute": 34}
